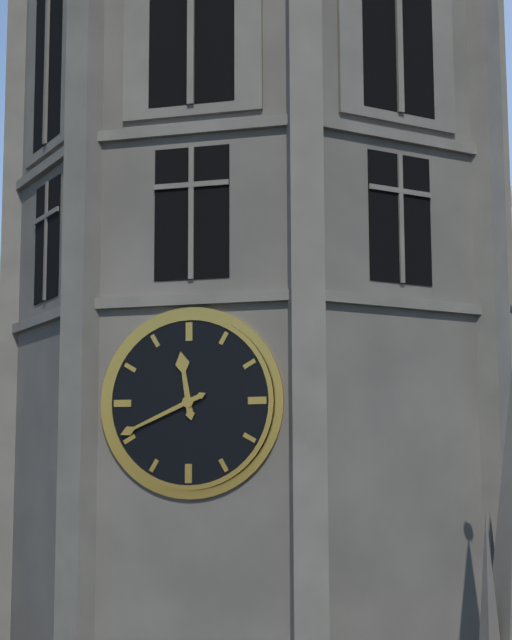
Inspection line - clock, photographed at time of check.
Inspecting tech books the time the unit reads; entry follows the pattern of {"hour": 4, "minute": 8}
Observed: {"hour": 11, "minute": 41}
